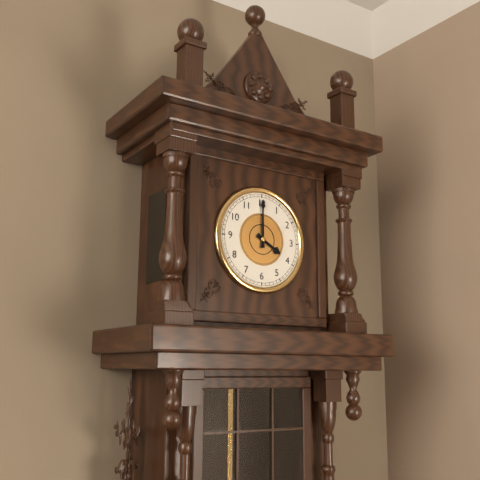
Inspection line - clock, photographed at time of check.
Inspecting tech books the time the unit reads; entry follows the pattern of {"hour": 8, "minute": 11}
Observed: {"hour": 4, "minute": 0}
